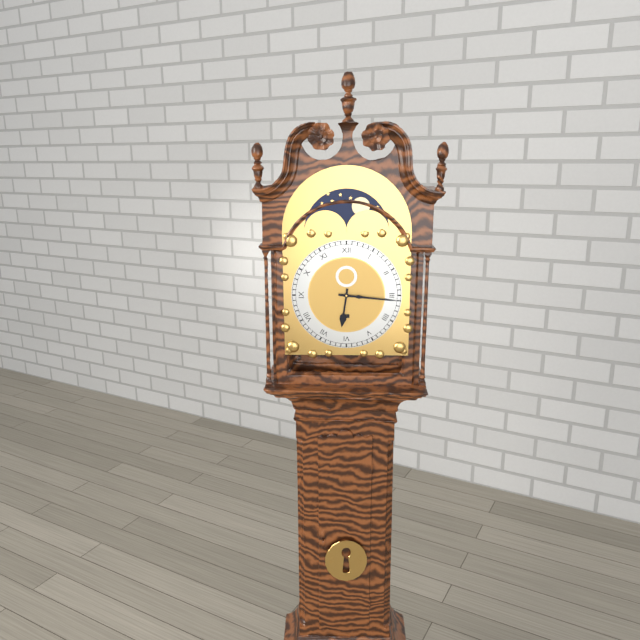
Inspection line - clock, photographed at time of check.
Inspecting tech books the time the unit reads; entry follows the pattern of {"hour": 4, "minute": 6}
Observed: {"hour": 6, "minute": 16}
